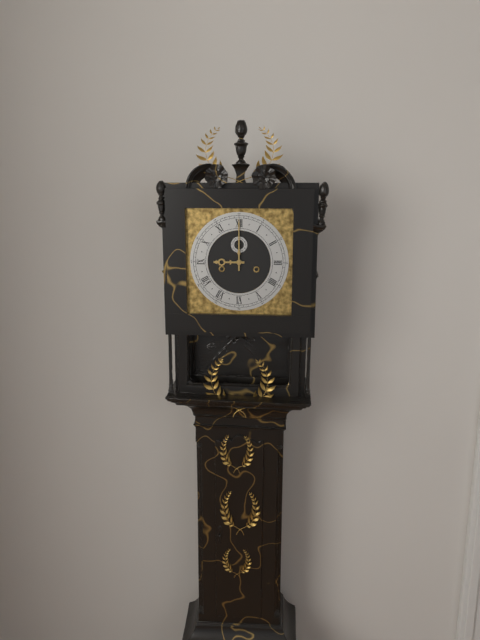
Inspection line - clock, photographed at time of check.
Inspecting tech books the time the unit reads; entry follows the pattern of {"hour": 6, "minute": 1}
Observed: {"hour": 9, "minute": 0}
